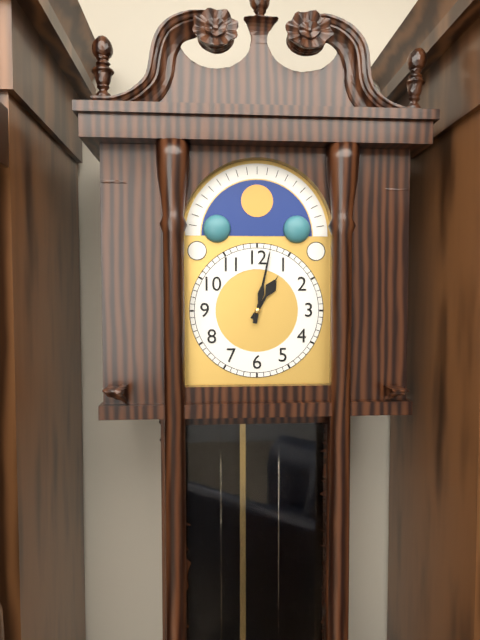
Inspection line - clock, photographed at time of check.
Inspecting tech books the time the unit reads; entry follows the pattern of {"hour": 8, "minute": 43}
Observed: {"hour": 1, "minute": 2}
